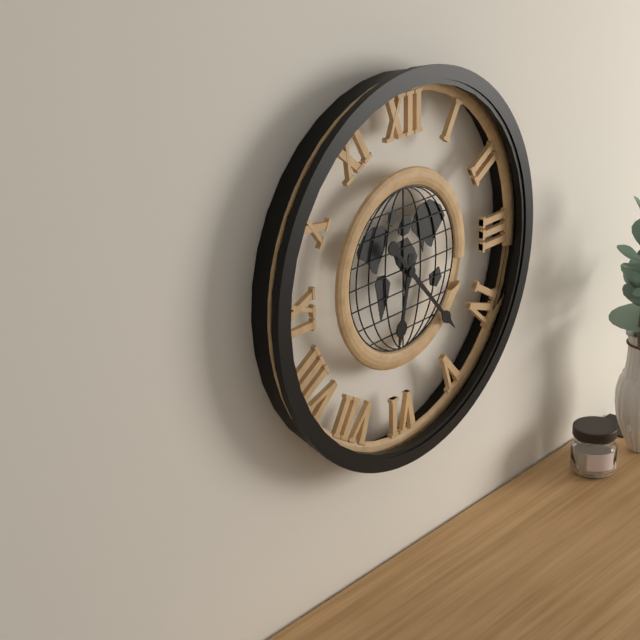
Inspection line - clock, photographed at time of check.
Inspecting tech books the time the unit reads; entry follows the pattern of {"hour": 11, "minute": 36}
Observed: {"hour": 6, "minute": 23}
